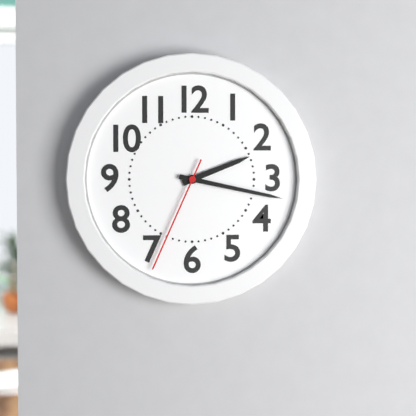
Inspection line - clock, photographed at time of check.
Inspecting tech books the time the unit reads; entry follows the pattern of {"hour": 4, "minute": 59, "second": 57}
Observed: {"hour": 2, "minute": 17, "second": 34}
